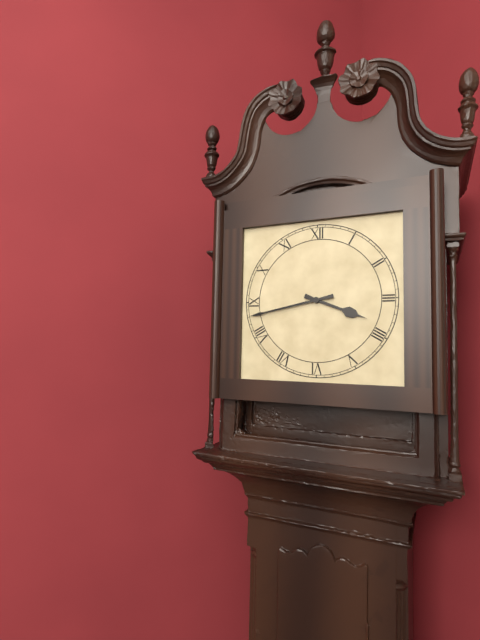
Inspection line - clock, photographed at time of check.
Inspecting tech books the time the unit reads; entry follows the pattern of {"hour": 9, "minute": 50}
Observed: {"hour": 3, "minute": 43}
